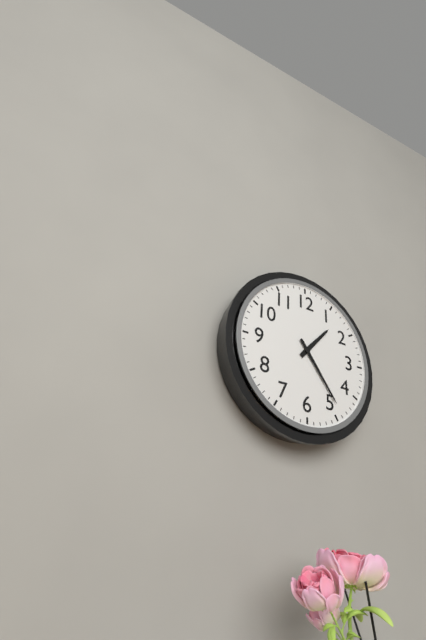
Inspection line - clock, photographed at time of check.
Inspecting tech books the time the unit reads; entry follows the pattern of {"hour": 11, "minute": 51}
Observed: {"hour": 1, "minute": 24}
